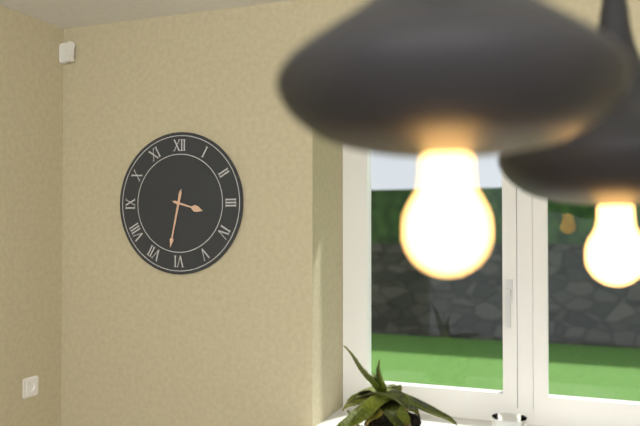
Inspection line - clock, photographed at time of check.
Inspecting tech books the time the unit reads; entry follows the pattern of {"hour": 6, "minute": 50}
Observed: {"hour": 3, "minute": 32}
